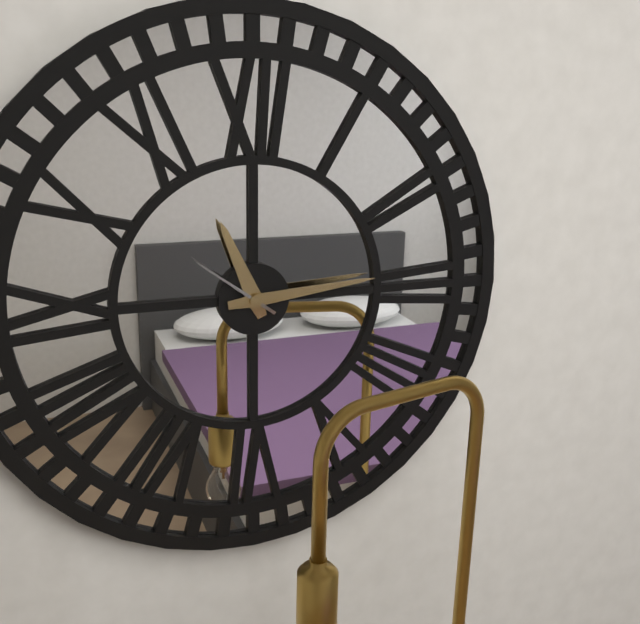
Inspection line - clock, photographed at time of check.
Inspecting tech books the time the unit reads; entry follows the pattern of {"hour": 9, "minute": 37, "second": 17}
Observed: {"hour": 11, "minute": 14, "second": 51}
